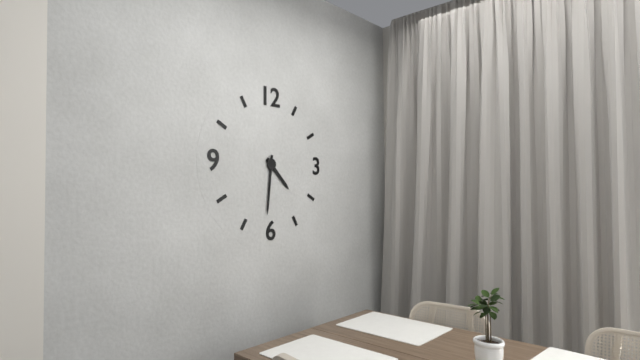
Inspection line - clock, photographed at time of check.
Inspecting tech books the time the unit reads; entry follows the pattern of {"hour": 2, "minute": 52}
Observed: {"hour": 4, "minute": 31}
